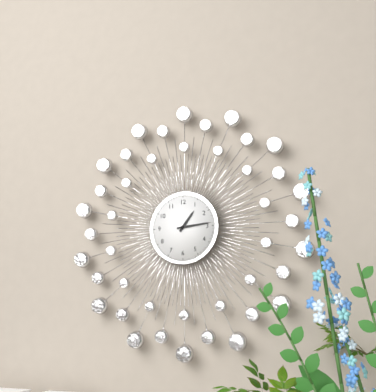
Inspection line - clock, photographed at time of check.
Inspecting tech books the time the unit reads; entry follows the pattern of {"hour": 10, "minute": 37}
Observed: {"hour": 1, "minute": 14}
